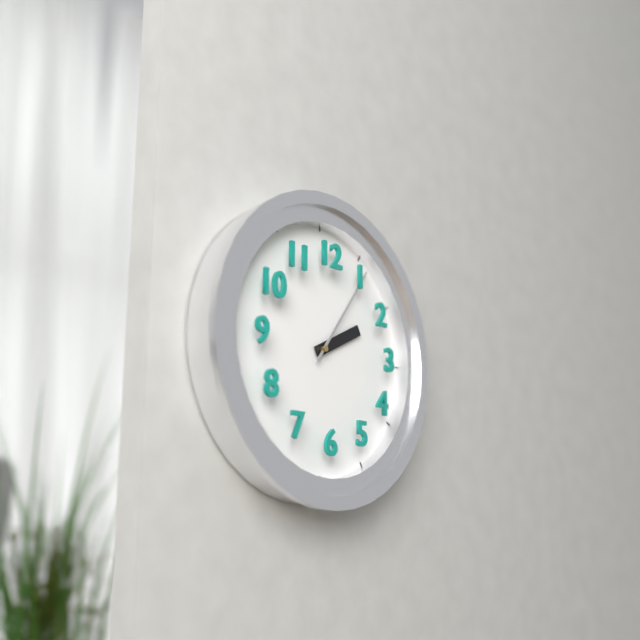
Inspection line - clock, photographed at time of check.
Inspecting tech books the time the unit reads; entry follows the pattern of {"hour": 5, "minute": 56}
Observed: {"hour": 2, "minute": 6}
